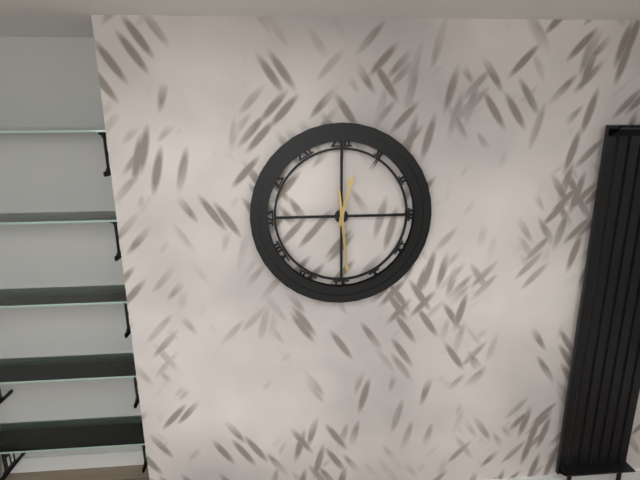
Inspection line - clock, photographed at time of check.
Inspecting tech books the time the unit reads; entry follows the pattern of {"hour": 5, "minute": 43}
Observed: {"hour": 12, "minute": 29}
